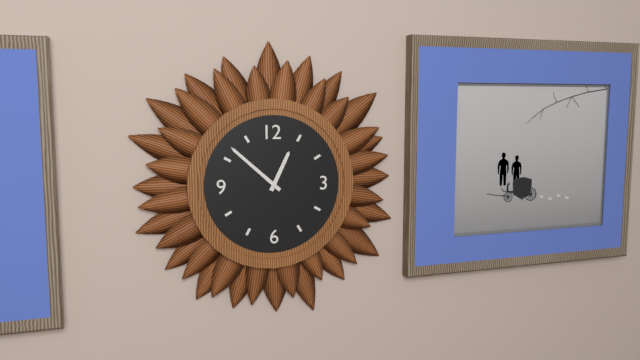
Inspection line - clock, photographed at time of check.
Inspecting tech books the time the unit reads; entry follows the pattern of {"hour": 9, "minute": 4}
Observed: {"hour": 12, "minute": 52}
